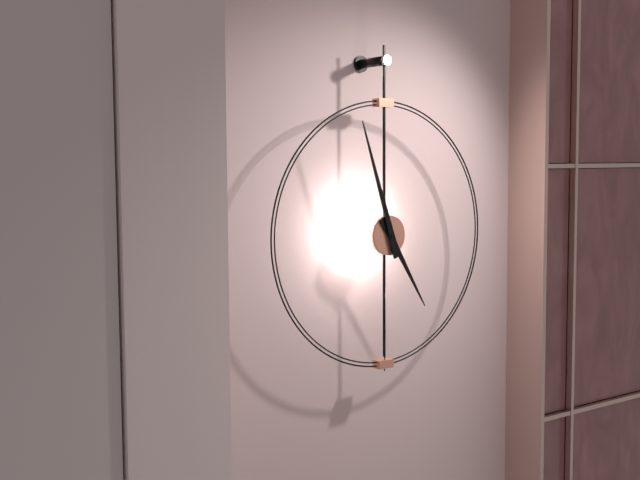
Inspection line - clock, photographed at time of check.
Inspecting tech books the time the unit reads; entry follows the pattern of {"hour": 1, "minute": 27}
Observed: {"hour": 4, "minute": 57}
